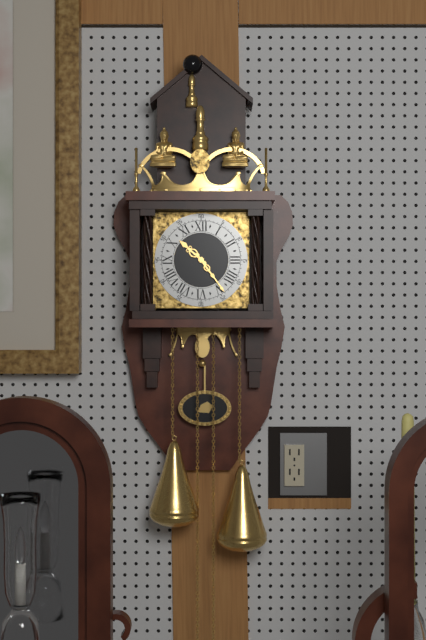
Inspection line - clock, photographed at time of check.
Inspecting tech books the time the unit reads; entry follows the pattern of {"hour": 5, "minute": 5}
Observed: {"hour": 10, "minute": 24}
